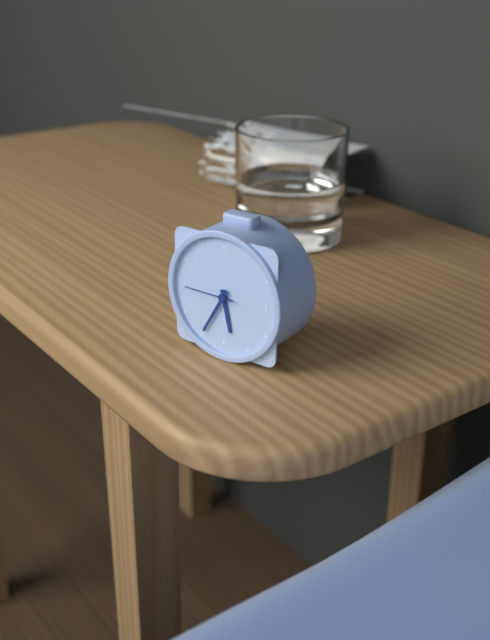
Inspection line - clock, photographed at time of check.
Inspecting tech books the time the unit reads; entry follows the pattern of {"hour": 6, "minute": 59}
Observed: {"hour": 5, "minute": 35}
